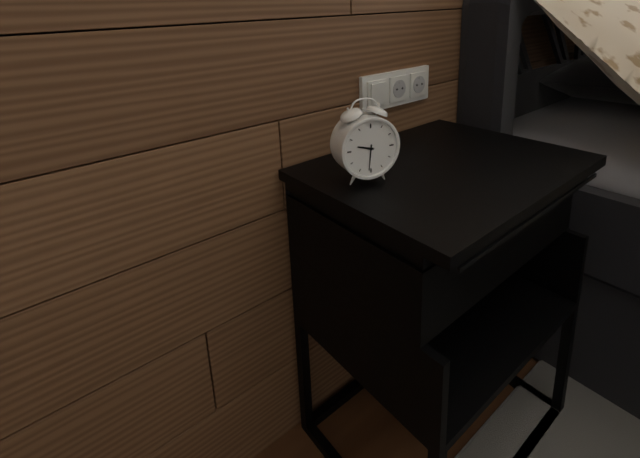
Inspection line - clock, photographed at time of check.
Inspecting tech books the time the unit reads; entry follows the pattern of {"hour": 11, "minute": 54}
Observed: {"hour": 9, "minute": 31}
